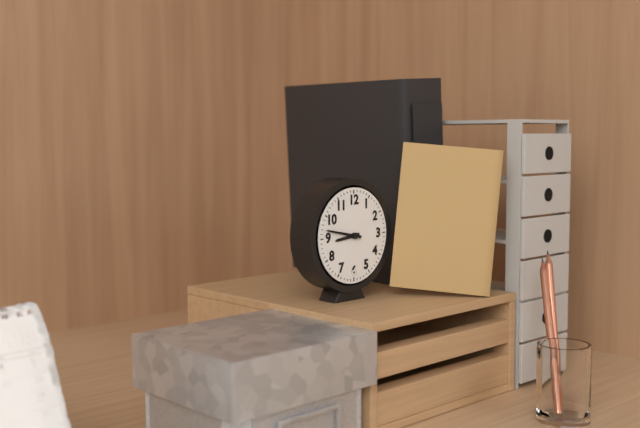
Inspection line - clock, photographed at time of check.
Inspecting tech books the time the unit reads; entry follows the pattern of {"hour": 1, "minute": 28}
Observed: {"hour": 8, "minute": 47}
